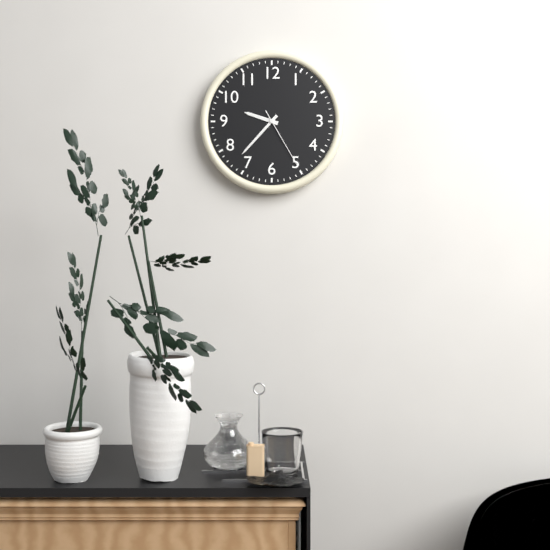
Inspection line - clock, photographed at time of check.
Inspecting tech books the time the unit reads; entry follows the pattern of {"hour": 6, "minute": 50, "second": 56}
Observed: {"hour": 9, "minute": 37, "second": 25}
